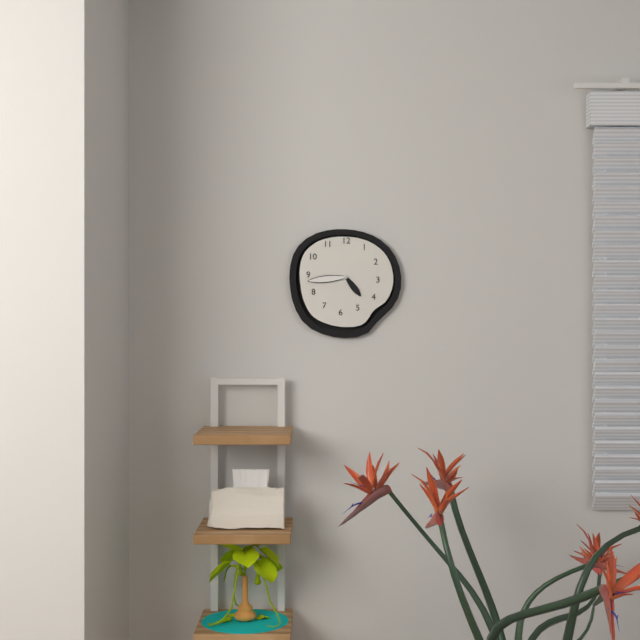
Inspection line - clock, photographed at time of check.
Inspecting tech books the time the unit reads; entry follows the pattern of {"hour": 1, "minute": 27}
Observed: {"hour": 4, "minute": 44}
